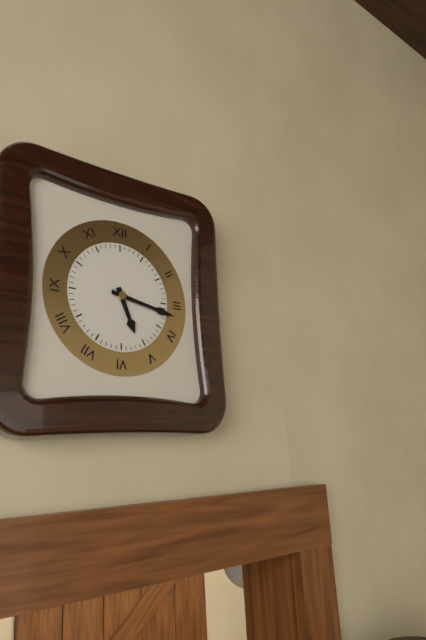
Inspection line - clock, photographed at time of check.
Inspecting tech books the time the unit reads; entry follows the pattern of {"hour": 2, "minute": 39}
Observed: {"hour": 5, "minute": 17}
